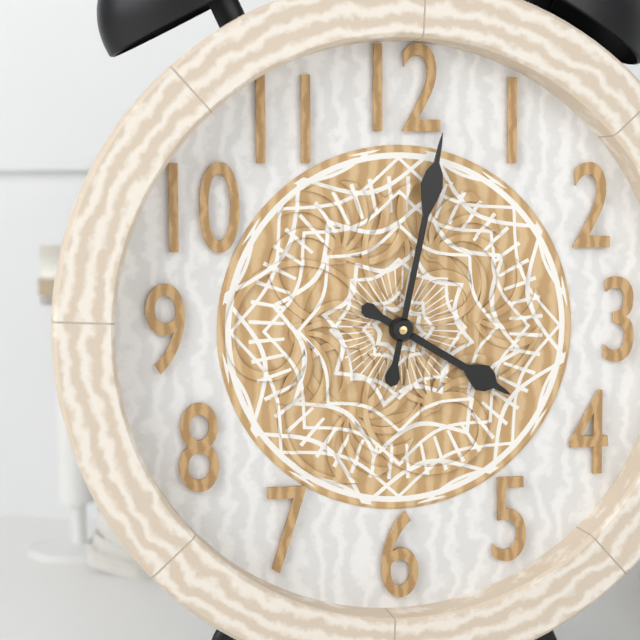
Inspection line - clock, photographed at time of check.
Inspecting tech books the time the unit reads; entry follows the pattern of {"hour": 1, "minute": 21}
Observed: {"hour": 4, "minute": 2}
